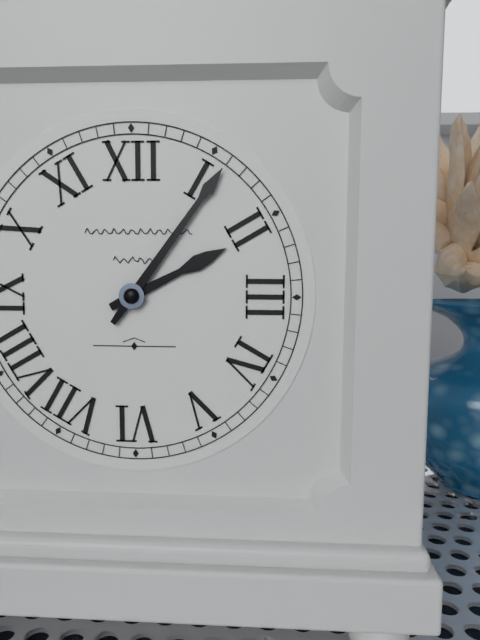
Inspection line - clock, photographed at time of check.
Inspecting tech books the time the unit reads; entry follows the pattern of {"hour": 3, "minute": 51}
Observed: {"hour": 2, "minute": 6}
